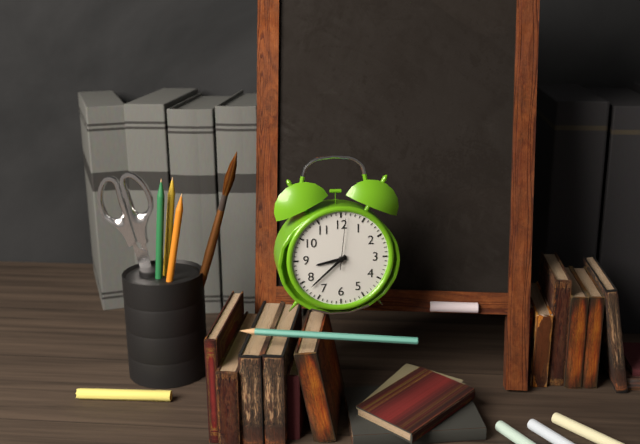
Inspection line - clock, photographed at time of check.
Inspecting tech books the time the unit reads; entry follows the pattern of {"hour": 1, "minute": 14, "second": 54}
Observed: {"hour": 8, "minute": 38, "second": 1}
